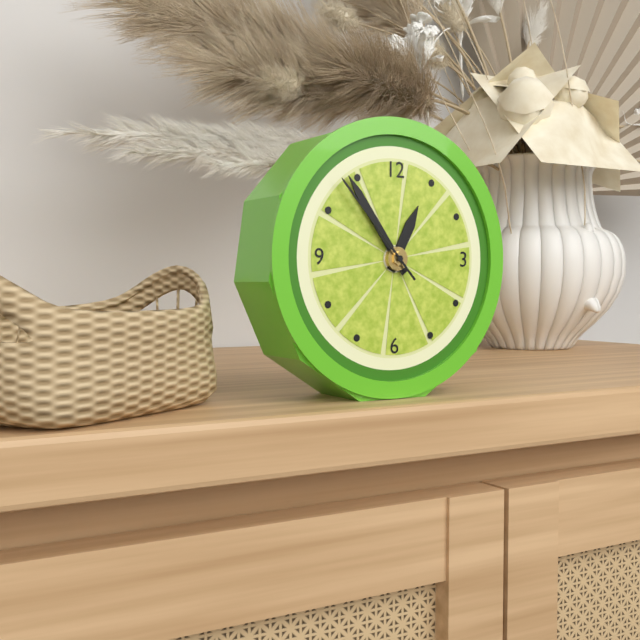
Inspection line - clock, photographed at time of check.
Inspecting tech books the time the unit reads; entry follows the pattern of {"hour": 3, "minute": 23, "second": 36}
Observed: {"hour": 12, "minute": 54, "second": 53}
